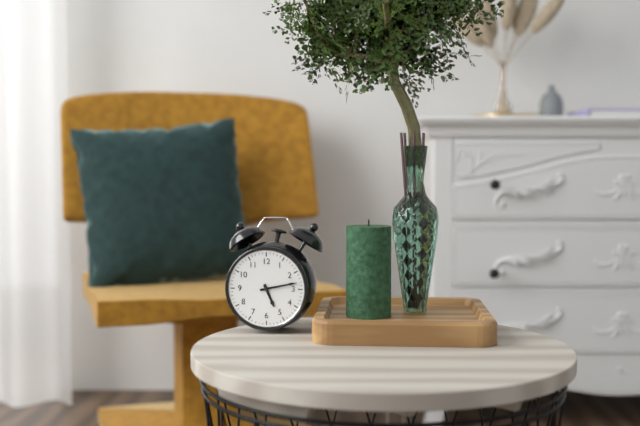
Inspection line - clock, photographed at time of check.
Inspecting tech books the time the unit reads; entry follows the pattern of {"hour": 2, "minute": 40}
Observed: {"hour": 5, "minute": 13}
